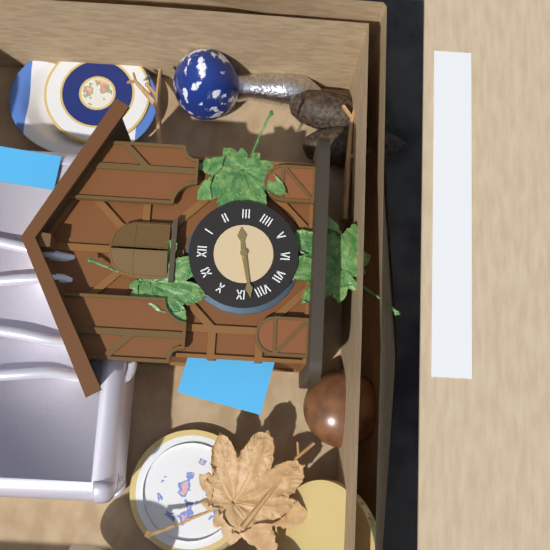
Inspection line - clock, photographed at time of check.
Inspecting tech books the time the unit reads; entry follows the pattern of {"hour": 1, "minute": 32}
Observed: {"hour": 2, "minute": 43}
